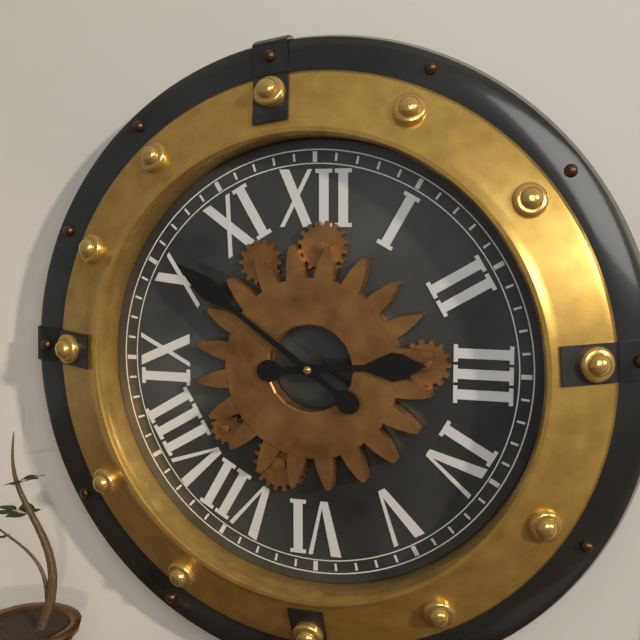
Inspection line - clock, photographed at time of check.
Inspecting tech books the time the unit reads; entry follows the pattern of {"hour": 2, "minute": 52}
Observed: {"hour": 2, "minute": 51}
